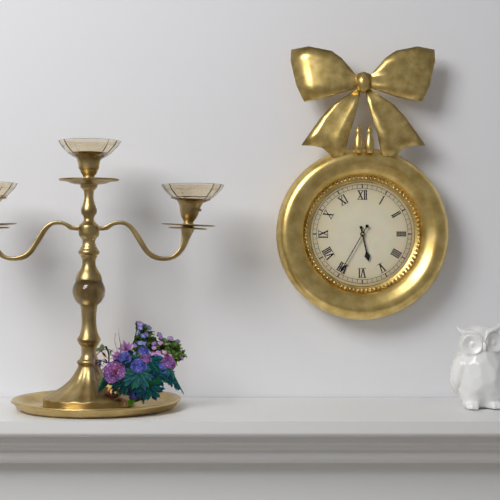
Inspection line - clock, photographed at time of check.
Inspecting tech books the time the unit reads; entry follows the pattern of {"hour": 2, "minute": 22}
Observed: {"hour": 5, "minute": 35}
